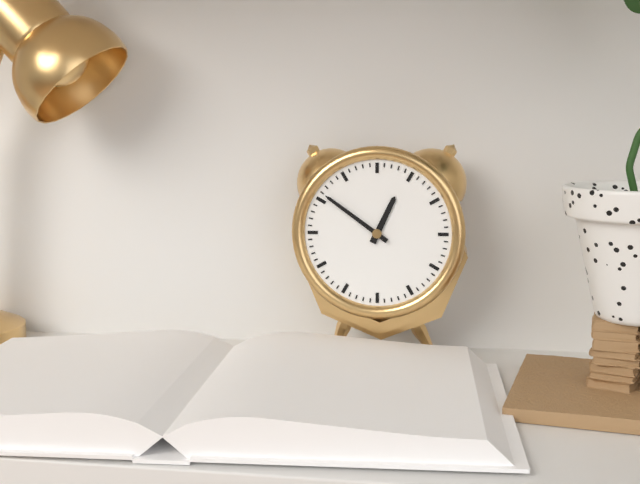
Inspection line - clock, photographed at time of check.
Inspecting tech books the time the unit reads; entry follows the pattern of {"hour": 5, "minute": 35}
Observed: {"hour": 12, "minute": 51}
